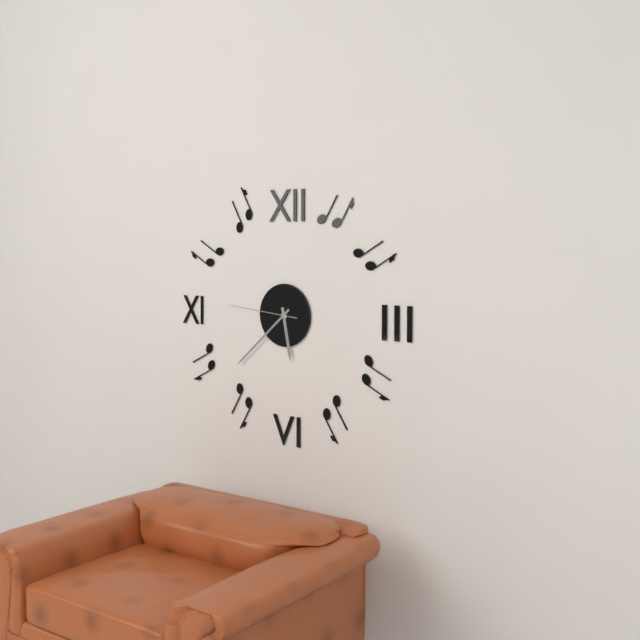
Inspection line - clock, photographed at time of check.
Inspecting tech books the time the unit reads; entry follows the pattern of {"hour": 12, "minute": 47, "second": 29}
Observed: {"hour": 5, "minute": 38, "second": 46}
